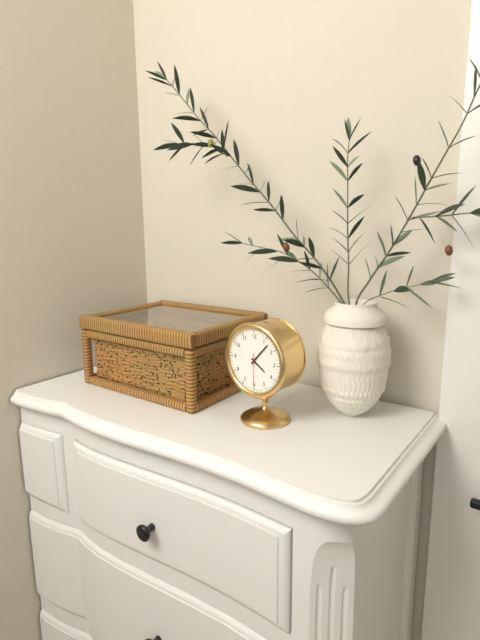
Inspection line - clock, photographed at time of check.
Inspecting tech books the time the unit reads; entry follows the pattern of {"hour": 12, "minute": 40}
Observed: {"hour": 4, "minute": 7}
